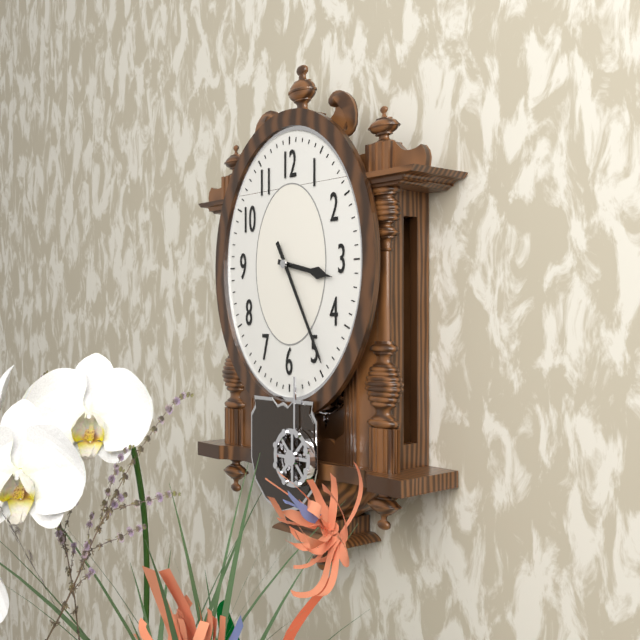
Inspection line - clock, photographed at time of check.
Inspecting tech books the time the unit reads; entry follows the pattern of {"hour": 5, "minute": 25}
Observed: {"hour": 3, "minute": 25}
